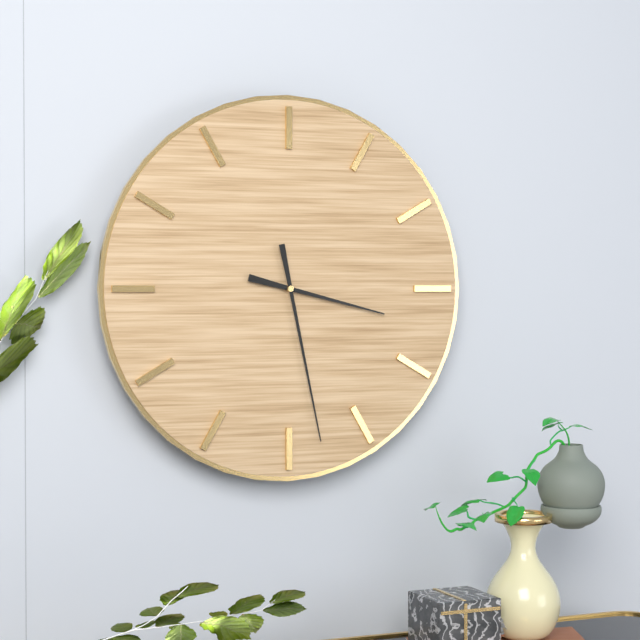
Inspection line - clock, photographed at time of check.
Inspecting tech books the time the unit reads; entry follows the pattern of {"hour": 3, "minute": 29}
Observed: {"hour": 3, "minute": 28}
